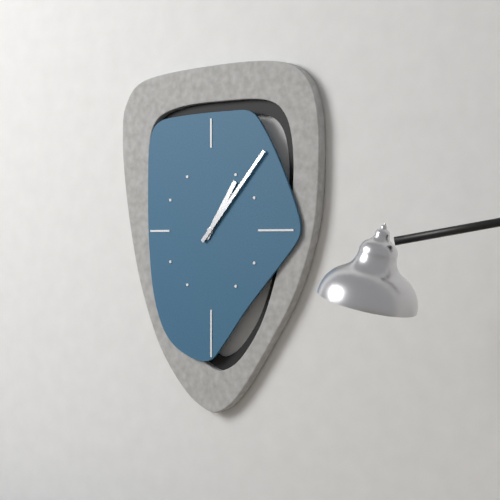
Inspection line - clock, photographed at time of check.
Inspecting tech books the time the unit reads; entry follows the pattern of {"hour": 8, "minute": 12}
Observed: {"hour": 1, "minute": 7}
